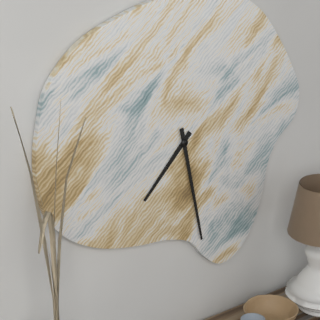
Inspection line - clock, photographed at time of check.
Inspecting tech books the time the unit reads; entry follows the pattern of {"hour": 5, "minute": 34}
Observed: {"hour": 7, "minute": 28}
